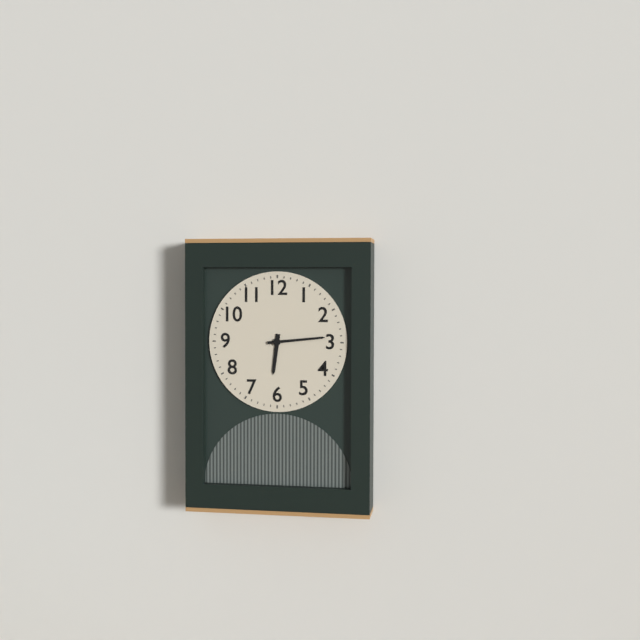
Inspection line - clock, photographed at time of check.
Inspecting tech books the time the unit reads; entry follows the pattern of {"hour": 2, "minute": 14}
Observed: {"hour": 6, "minute": 14}
